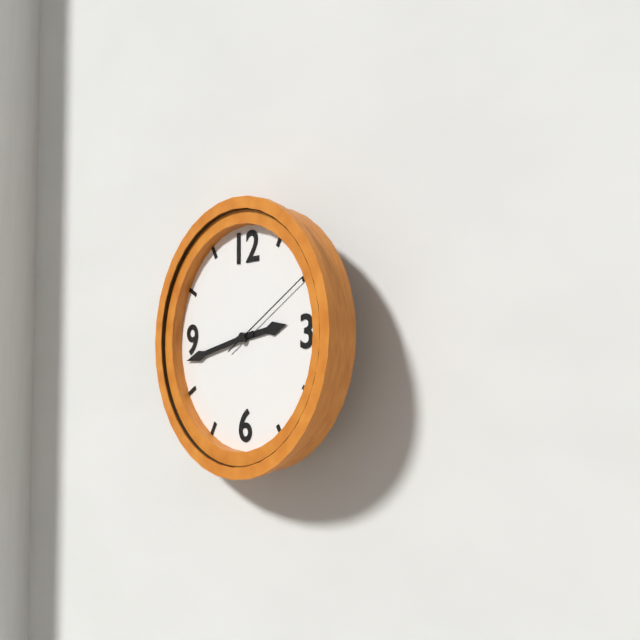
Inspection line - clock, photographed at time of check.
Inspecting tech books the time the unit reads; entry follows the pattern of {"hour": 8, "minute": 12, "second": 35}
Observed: {"hour": 2, "minute": 43, "second": 10}
